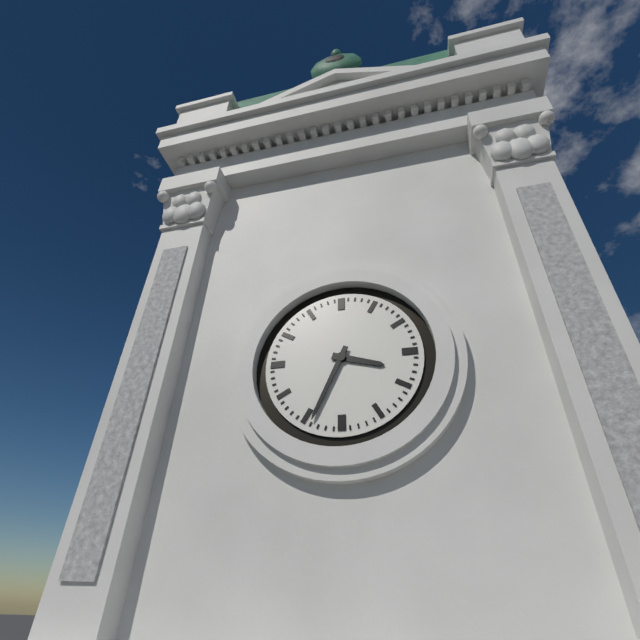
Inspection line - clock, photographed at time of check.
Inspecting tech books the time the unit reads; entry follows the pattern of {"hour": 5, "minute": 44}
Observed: {"hour": 3, "minute": 34}
